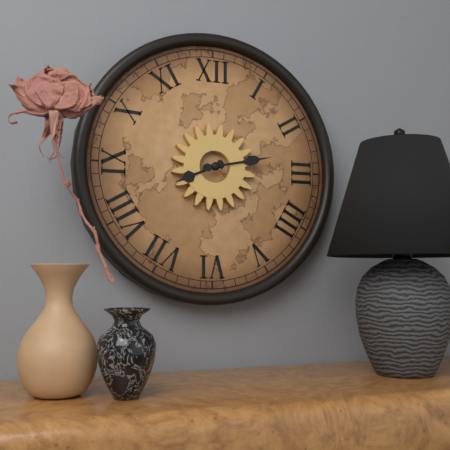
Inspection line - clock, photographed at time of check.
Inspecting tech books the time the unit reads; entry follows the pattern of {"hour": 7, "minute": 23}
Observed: {"hour": 8, "minute": 13}
